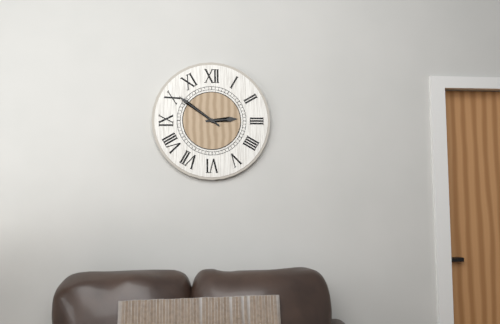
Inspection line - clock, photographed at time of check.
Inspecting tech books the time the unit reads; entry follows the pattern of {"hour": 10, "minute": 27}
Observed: {"hour": 2, "minute": 51}
